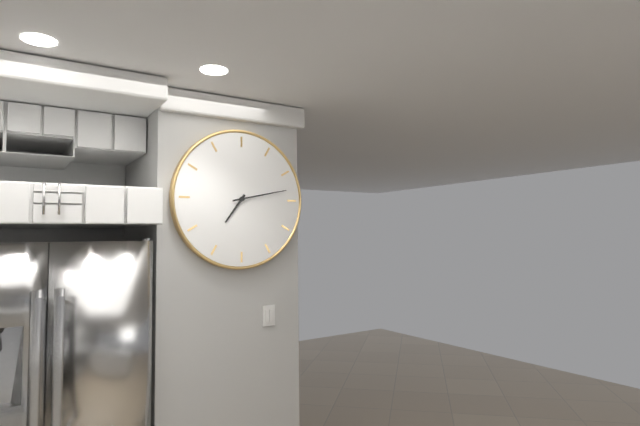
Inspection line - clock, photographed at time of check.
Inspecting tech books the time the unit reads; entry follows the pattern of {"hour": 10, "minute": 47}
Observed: {"hour": 7, "minute": 13}
